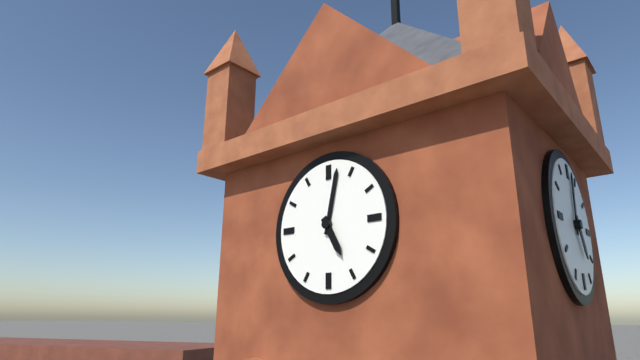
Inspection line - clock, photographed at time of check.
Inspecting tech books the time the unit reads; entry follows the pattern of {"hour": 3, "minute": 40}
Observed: {"hour": 5, "minute": 2}
